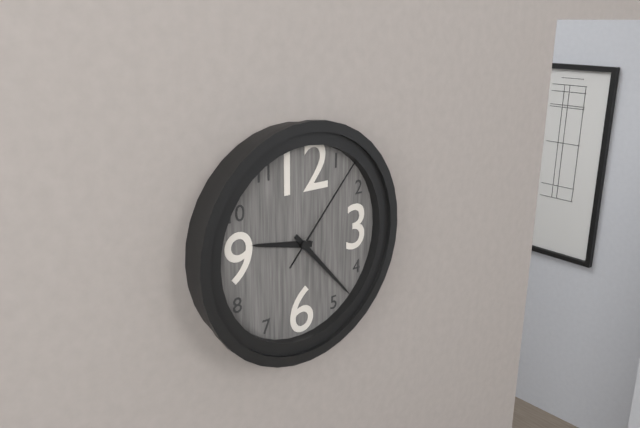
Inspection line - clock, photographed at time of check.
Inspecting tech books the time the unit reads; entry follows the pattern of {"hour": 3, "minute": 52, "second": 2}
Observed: {"hour": 9, "minute": 23, "second": 7}
